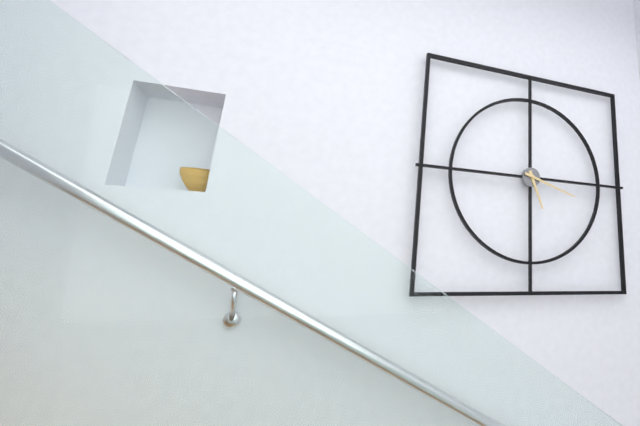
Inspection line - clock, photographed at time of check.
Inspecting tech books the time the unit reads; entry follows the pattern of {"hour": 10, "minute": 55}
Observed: {"hour": 5, "minute": 18}
